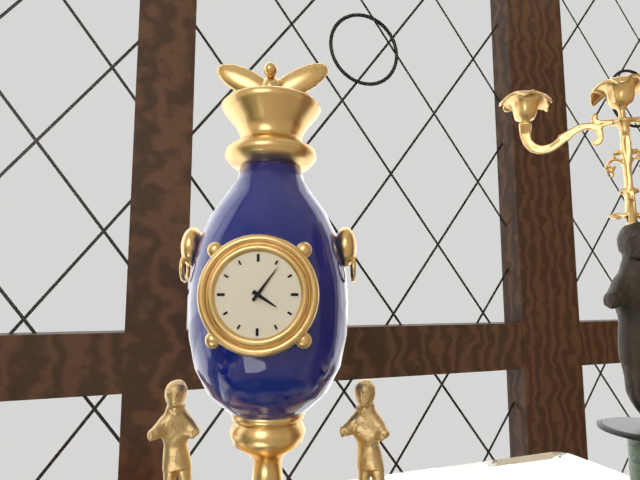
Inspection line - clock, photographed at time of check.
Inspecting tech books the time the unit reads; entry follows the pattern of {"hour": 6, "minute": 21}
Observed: {"hour": 4, "minute": 6}
